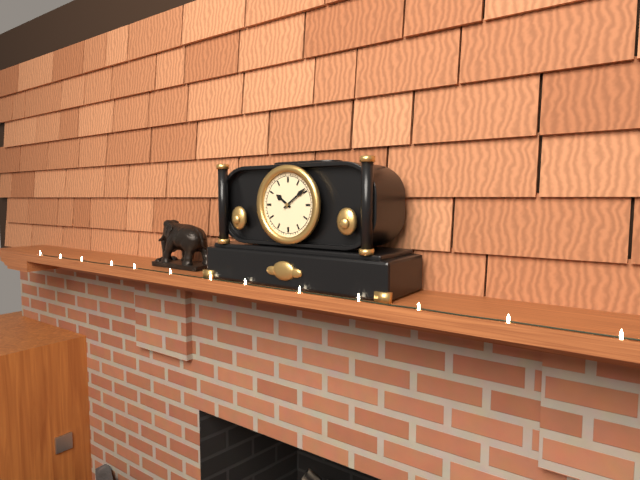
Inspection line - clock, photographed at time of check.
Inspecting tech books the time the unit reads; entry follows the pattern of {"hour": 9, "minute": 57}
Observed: {"hour": 10, "minute": 9}
